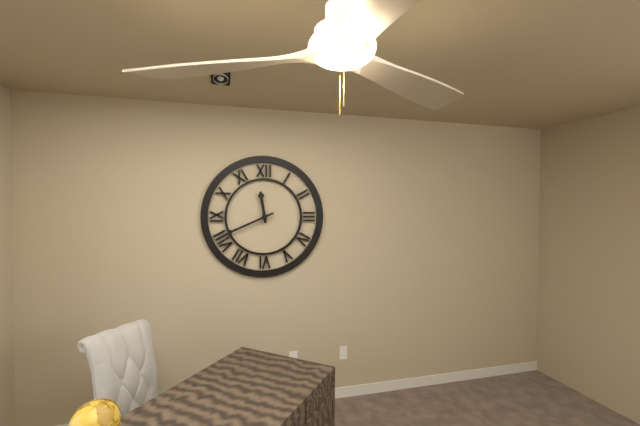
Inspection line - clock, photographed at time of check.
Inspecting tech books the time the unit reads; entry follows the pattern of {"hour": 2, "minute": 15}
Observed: {"hour": 11, "minute": 41}
